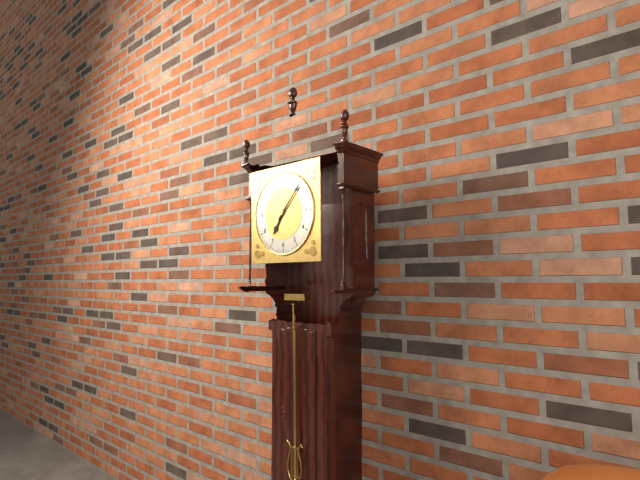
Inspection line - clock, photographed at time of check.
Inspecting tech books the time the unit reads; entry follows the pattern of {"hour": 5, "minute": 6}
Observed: {"hour": 7, "minute": 7}
